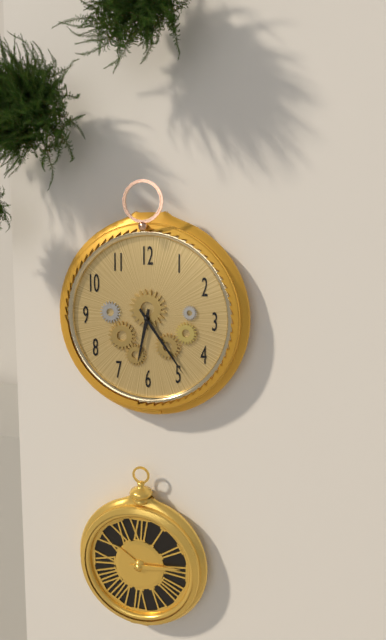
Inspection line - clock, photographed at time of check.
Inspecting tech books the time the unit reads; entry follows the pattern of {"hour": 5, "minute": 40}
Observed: {"hour": 6, "minute": 24}
